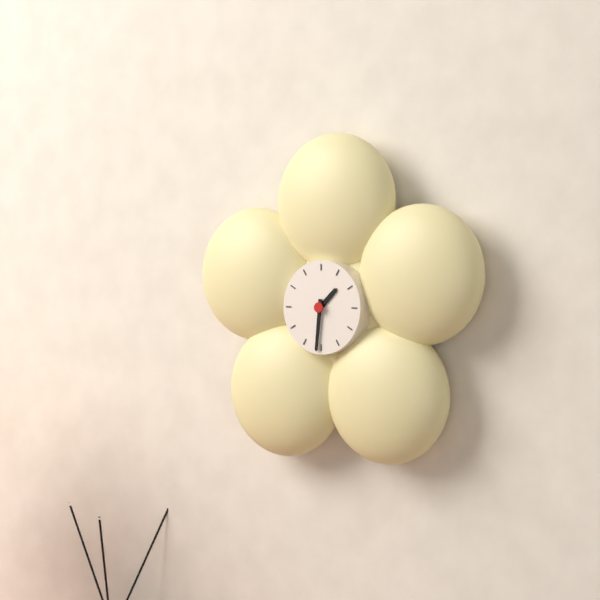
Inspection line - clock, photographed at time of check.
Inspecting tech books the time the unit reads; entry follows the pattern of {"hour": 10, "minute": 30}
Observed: {"hour": 1, "minute": 31}
